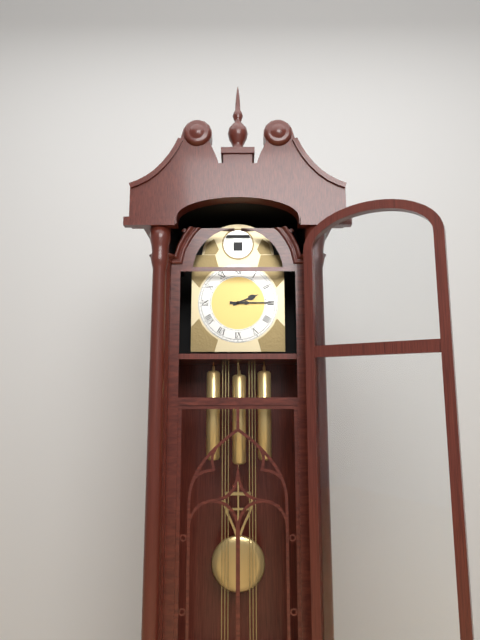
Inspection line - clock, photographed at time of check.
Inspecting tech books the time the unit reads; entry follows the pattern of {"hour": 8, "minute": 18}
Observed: {"hour": 2, "minute": 15}
